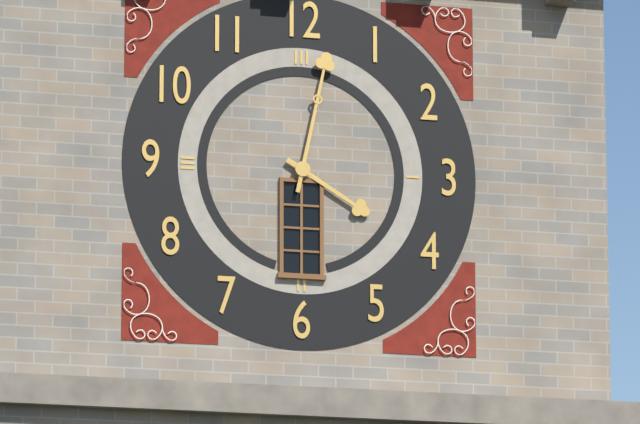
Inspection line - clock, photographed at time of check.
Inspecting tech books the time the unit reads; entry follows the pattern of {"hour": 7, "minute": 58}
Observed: {"hour": 4, "minute": 2}
